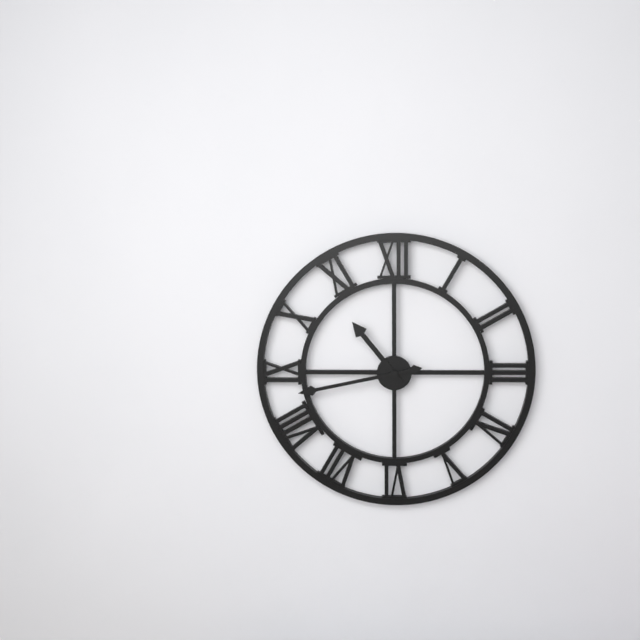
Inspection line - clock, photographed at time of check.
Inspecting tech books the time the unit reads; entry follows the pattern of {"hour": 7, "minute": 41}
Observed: {"hour": 10, "minute": 43}
